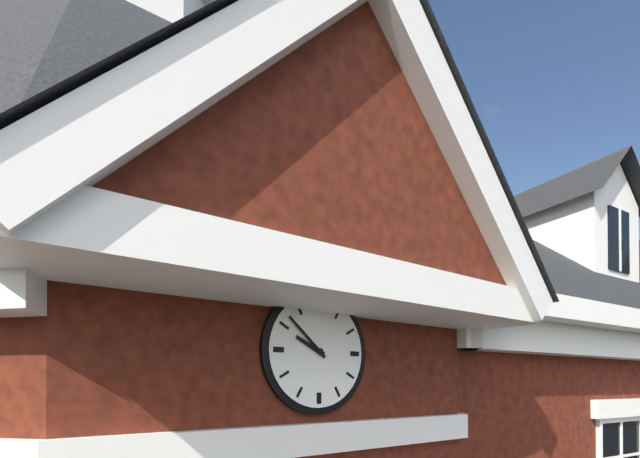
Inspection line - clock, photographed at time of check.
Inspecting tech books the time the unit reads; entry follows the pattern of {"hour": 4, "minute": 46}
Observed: {"hour": 9, "minute": 52}
